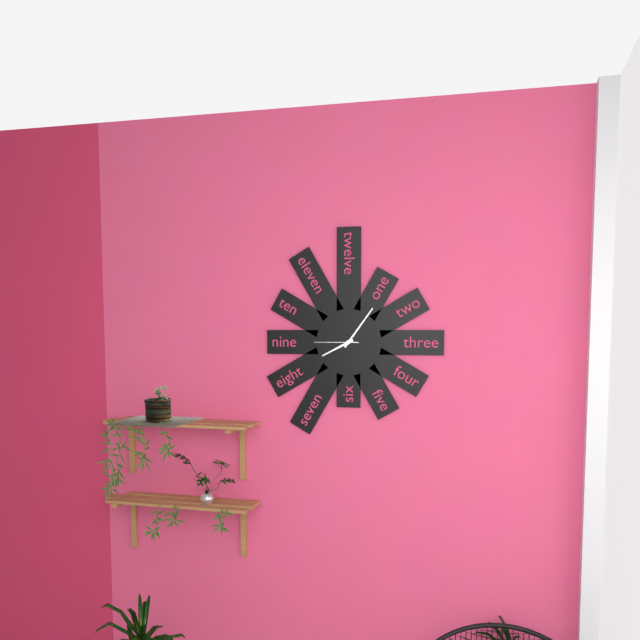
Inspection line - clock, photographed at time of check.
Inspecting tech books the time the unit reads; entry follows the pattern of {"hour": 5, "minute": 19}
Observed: {"hour": 8, "minute": 6}
